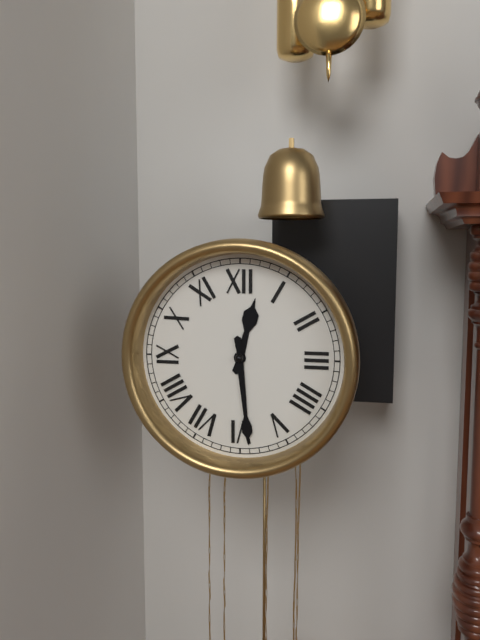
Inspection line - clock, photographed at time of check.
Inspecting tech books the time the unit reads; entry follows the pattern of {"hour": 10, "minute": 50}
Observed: {"hour": 12, "minute": 29}
